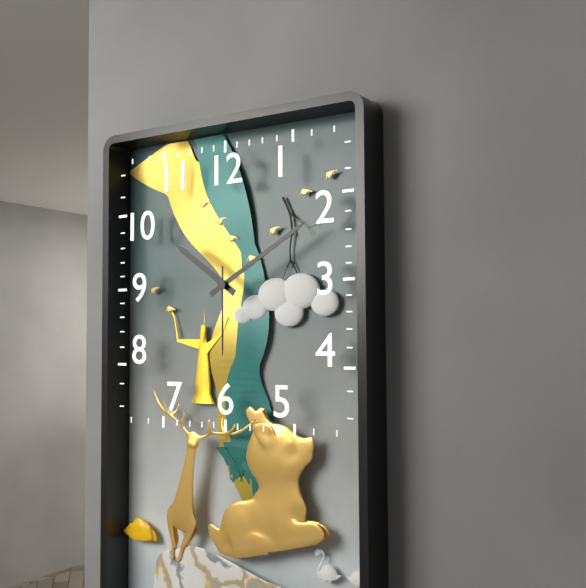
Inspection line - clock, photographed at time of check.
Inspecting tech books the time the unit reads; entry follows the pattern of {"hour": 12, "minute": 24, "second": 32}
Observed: {"hour": 10, "minute": 10, "second": 30}
